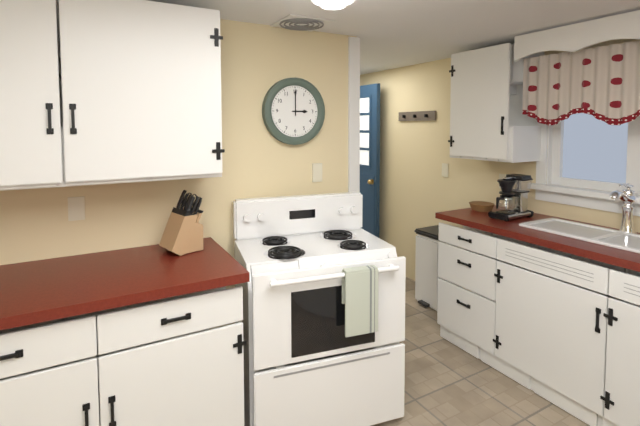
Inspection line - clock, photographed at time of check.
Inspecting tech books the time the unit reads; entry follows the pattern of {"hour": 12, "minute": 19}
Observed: {"hour": 3, "minute": 0}
